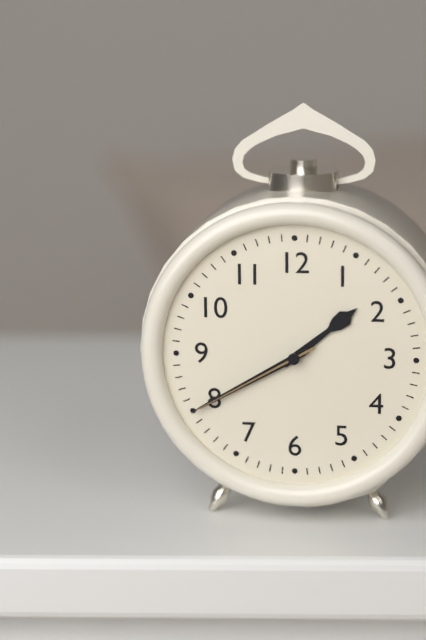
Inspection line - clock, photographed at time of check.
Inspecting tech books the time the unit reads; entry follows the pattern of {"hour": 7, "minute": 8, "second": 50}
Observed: {"hour": 1, "minute": 40, "second": 40}
